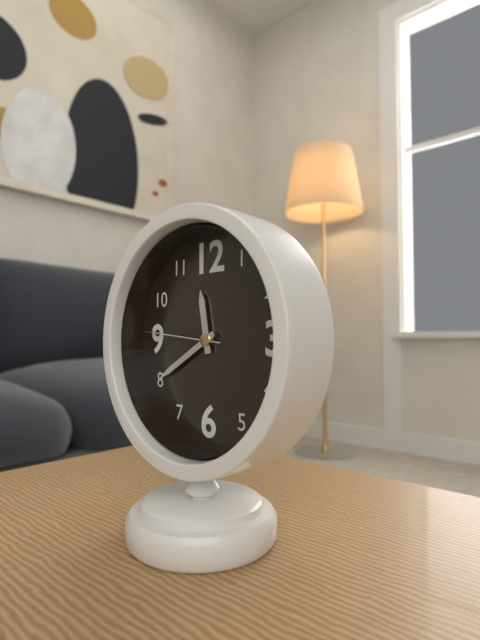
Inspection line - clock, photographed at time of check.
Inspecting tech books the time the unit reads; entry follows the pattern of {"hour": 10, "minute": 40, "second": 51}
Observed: {"hour": 11, "minute": 40, "second": 46}
